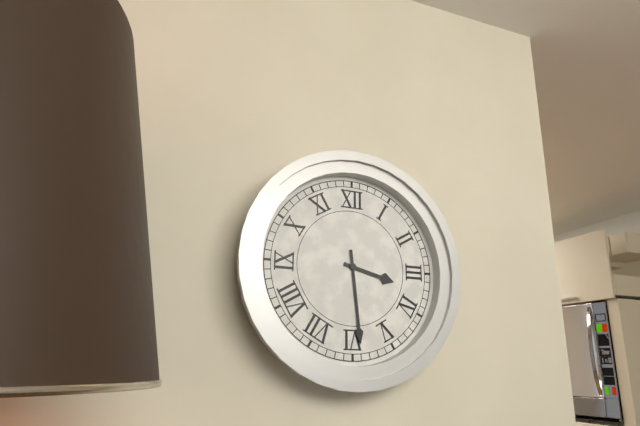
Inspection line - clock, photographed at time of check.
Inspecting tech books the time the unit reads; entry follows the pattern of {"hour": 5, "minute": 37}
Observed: {"hour": 3, "minute": 29}
